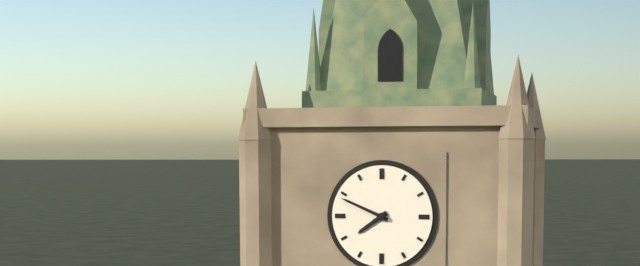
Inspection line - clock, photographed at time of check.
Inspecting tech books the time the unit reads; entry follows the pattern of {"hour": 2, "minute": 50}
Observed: {"hour": 7, "minute": 49}
